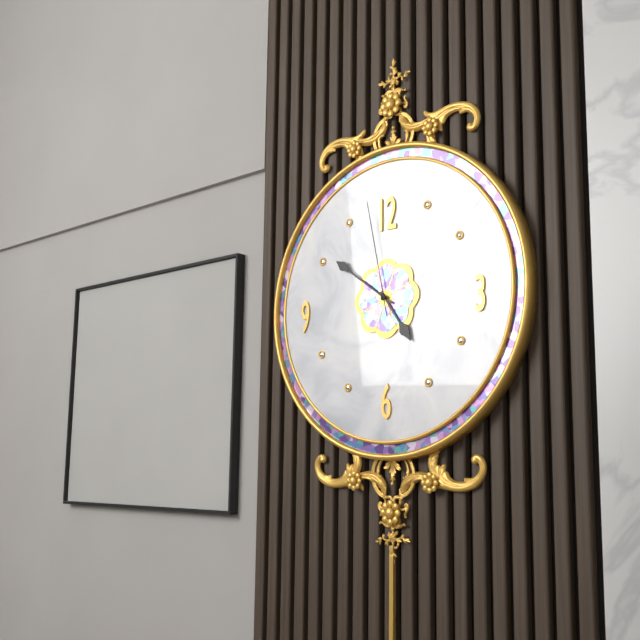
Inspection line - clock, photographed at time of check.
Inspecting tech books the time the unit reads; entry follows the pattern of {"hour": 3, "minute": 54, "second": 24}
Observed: {"hour": 4, "minute": 51, "second": 58}
